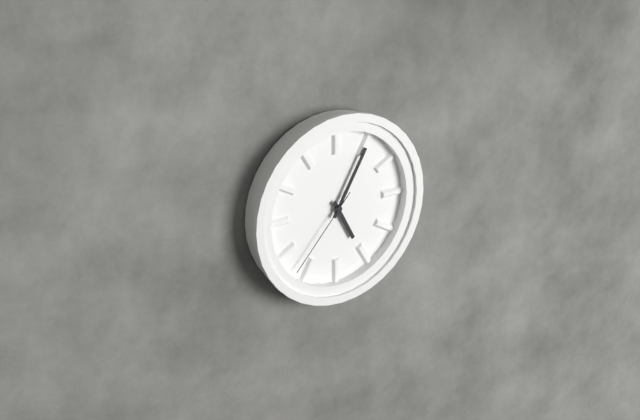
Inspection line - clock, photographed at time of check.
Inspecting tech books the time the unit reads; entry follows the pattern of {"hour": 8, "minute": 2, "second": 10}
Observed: {"hour": 5, "minute": 5, "second": 37}
